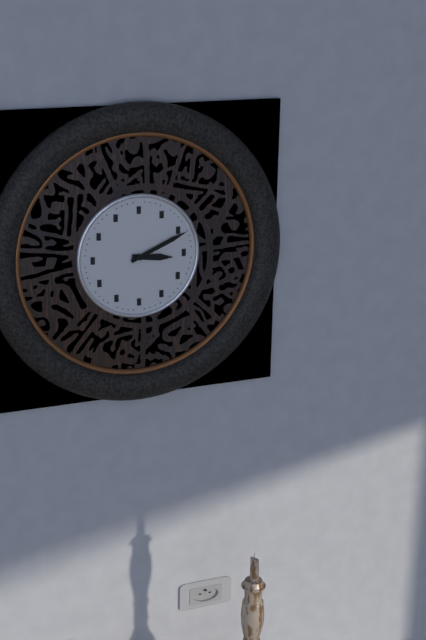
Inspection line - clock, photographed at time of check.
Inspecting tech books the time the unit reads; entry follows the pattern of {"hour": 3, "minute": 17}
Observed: {"hour": 3, "minute": 11}
